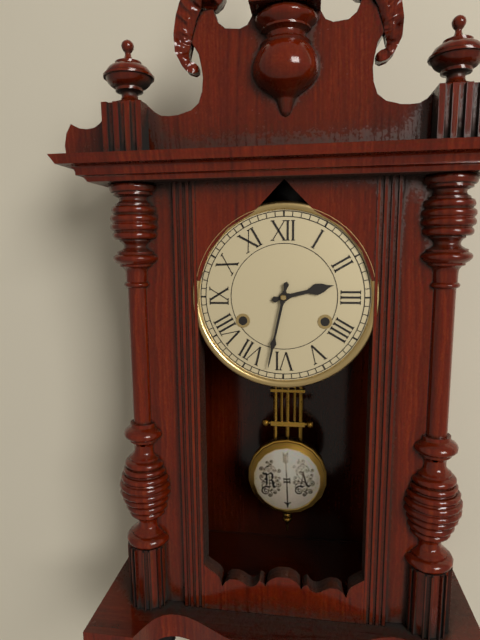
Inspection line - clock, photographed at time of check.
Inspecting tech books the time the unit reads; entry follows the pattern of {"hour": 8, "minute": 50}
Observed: {"hour": 2, "minute": 32}
